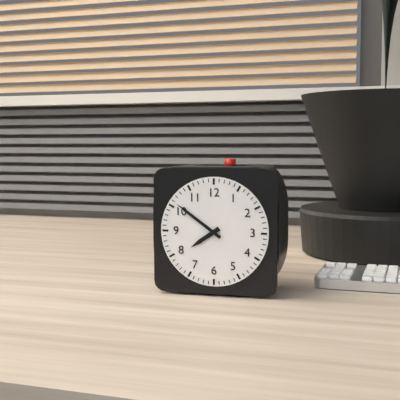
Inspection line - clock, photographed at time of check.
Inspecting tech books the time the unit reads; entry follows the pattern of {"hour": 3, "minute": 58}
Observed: {"hour": 7, "minute": 51}
